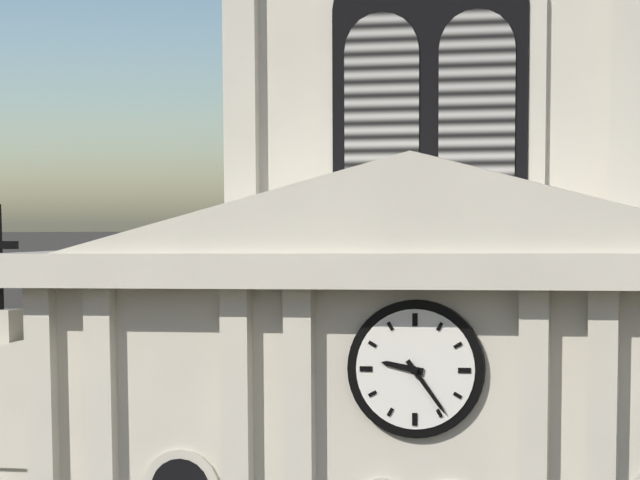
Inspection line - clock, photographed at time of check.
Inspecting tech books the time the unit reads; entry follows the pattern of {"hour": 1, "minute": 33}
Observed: {"hour": 9, "minute": 24}
